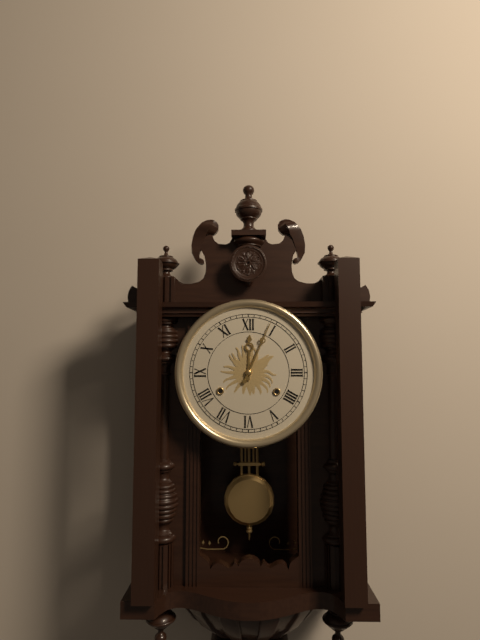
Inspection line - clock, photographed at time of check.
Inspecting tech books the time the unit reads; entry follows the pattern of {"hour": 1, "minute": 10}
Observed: {"hour": 12, "minute": 4}
